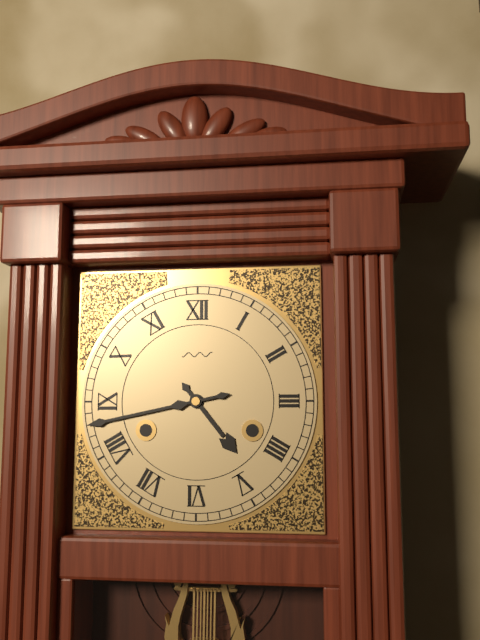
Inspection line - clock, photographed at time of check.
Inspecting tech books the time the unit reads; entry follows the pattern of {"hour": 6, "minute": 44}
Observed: {"hour": 4, "minute": 43}
